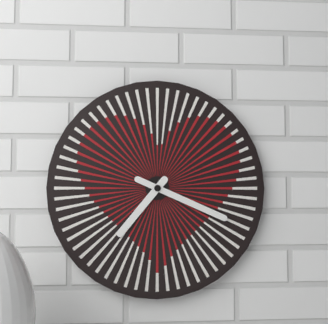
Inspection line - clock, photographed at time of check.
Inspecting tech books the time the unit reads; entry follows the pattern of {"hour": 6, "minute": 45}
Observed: {"hour": 7, "minute": 19}
